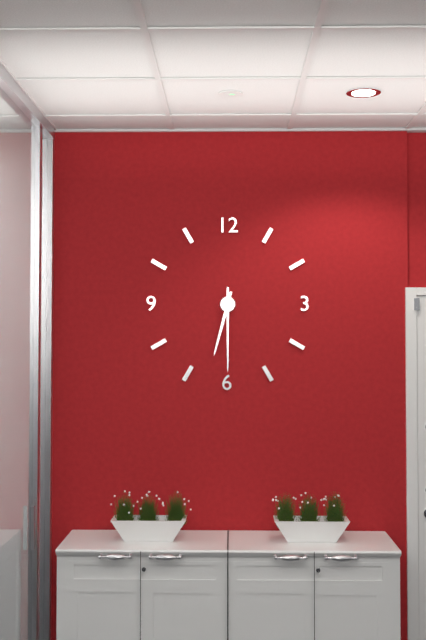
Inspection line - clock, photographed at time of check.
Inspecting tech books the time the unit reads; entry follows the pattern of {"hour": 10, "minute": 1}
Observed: {"hour": 6, "minute": 30}
